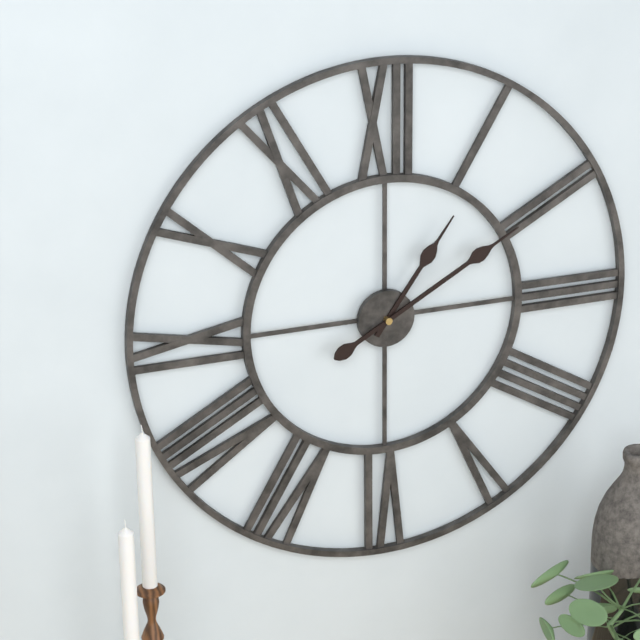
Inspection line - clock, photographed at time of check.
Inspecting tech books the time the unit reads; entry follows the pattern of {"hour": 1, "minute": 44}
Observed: {"hour": 1, "minute": 10}
